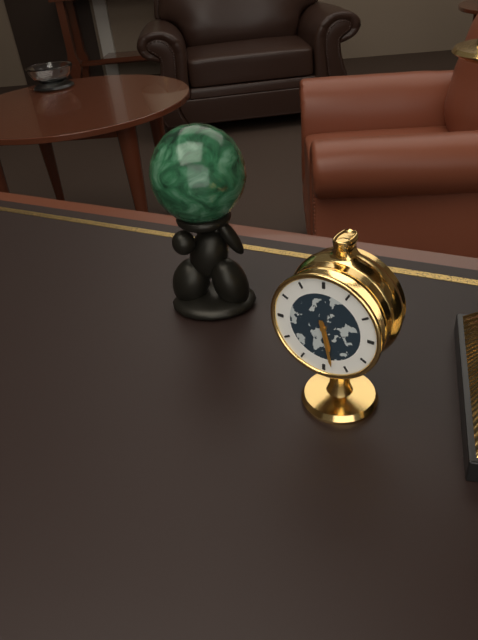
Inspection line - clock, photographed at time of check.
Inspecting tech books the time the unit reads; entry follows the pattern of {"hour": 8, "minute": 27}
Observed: {"hour": 5, "minute": 28}
